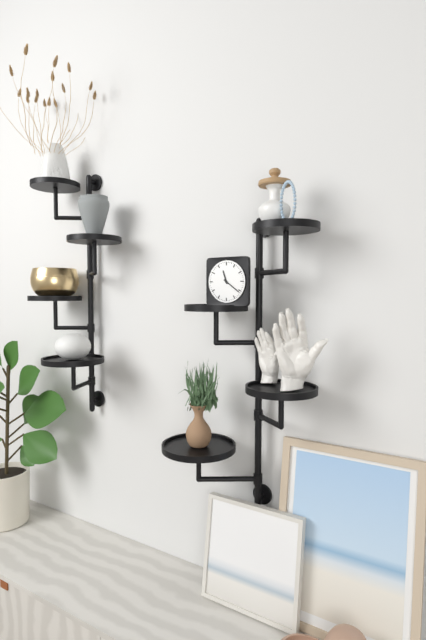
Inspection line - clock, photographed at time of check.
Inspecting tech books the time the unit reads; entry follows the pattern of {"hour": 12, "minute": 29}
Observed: {"hour": 11, "minute": 21}
